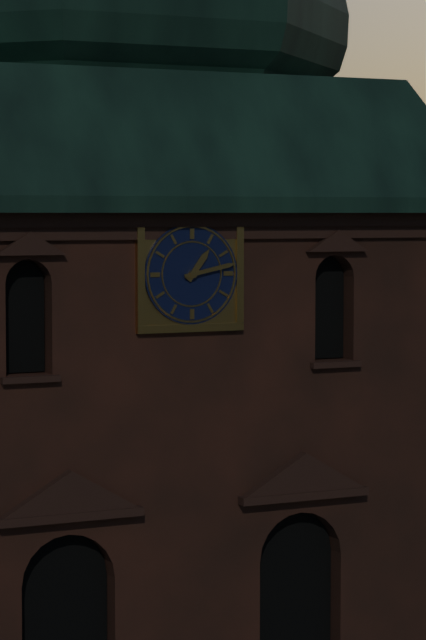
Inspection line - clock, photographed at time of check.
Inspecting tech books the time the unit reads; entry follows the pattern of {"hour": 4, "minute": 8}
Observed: {"hour": 1, "minute": 13}
